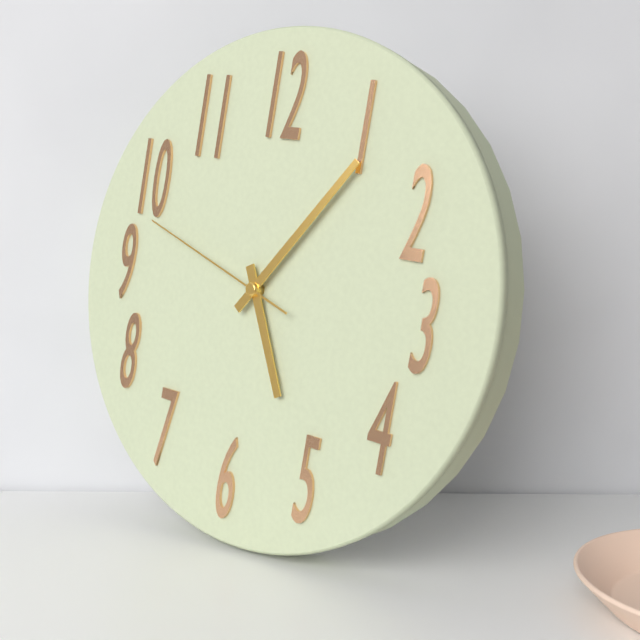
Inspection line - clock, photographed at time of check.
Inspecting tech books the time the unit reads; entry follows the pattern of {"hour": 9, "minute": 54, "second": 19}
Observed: {"hour": 5, "minute": 6, "second": 48}
